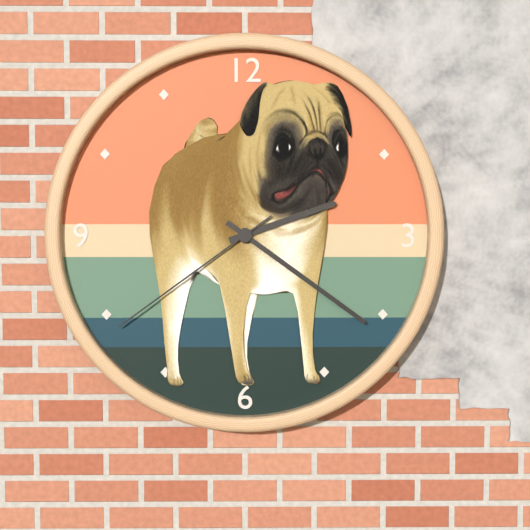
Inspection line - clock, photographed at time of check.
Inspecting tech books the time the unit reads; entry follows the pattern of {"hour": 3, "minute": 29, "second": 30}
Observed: {"hour": 2, "minute": 21, "second": 39}
